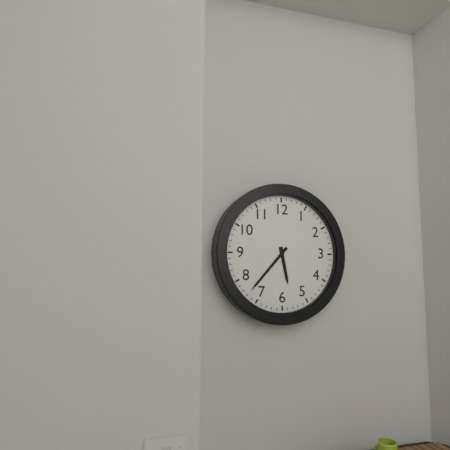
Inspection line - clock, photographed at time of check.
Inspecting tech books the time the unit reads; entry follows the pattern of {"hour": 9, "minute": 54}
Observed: {"hour": 5, "minute": 37}
